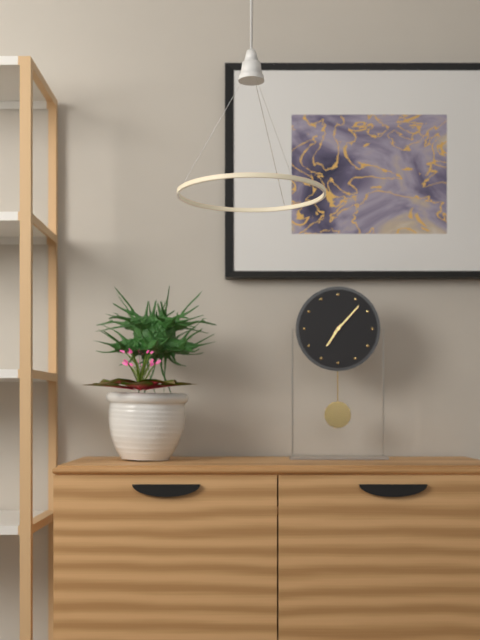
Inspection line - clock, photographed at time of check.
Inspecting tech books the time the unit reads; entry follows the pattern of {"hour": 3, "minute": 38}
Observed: {"hour": 7, "minute": 7}
